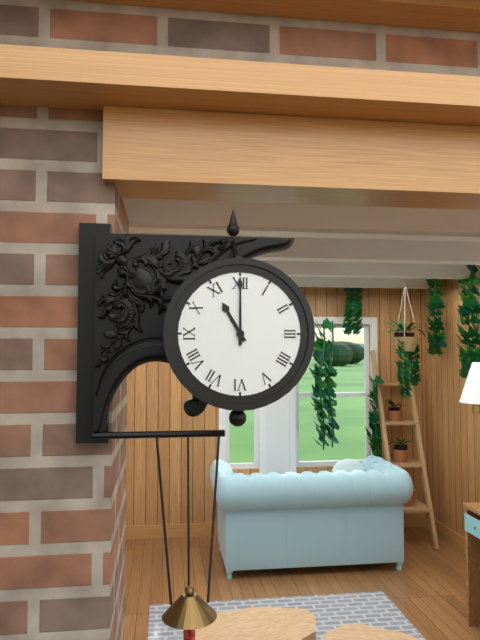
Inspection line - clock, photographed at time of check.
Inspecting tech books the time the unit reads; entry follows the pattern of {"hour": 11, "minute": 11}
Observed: {"hour": 11, "minute": 0}
